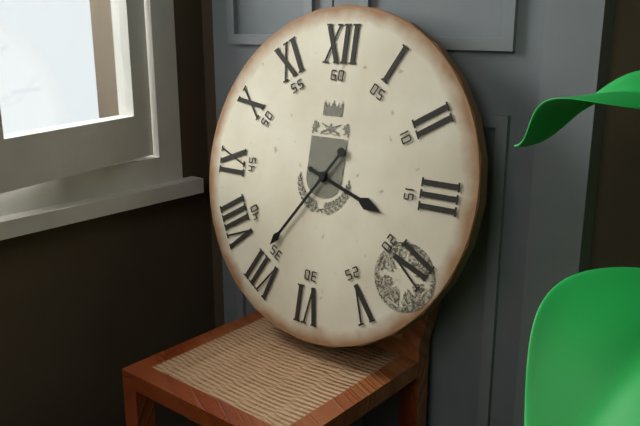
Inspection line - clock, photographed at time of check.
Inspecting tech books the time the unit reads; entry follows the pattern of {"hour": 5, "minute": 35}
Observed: {"hour": 3, "minute": 36}
